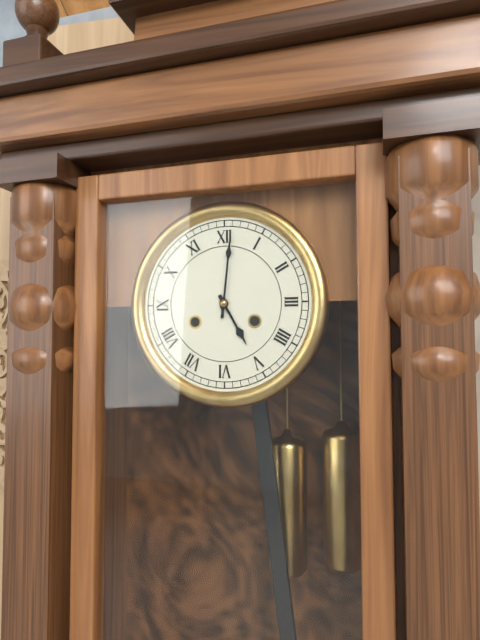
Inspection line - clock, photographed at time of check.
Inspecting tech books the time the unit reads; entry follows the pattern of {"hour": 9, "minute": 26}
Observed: {"hour": 5, "minute": 1}
